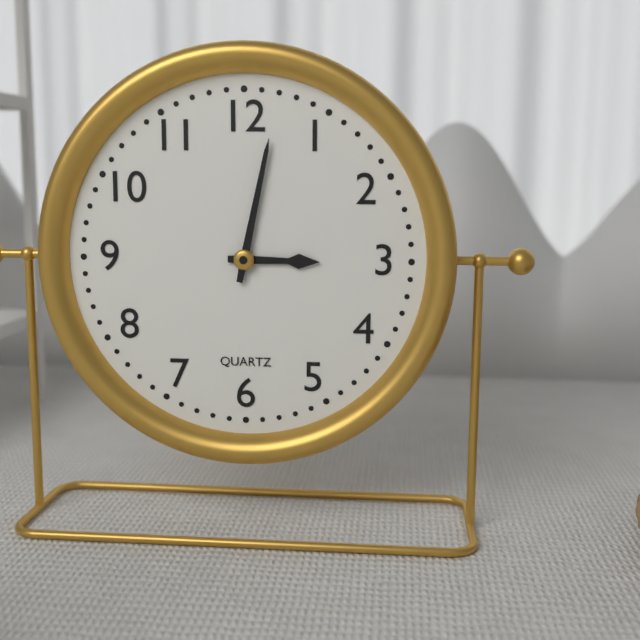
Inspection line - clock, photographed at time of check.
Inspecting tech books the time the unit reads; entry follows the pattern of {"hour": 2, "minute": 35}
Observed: {"hour": 3, "minute": 2}
